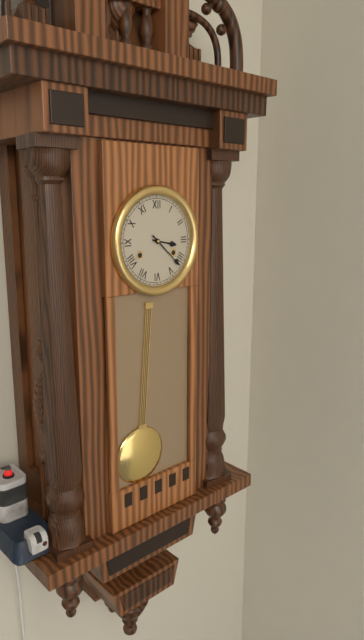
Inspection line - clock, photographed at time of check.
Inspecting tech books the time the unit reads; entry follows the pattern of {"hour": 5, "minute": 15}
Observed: {"hour": 3, "minute": 22}
